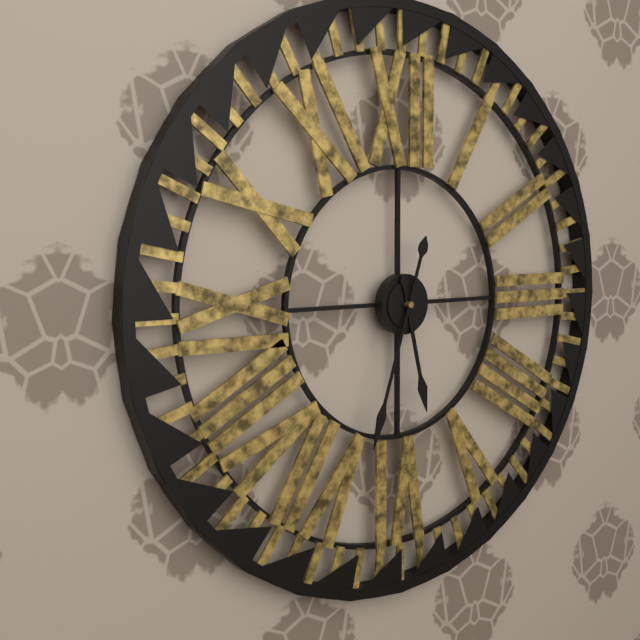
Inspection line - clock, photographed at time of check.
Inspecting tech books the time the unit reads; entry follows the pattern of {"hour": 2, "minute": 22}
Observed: {"hour": 5, "minute": 33}
